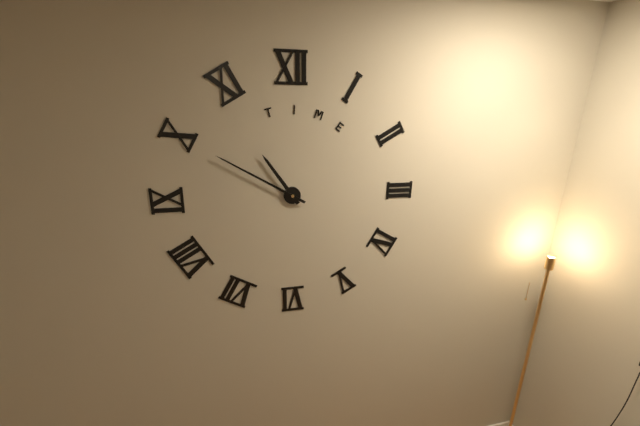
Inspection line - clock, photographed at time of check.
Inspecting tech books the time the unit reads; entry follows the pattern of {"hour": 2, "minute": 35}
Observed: {"hour": 10, "minute": 50}
